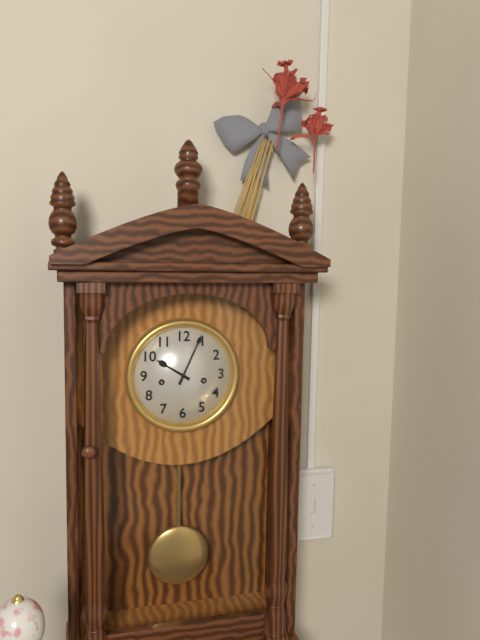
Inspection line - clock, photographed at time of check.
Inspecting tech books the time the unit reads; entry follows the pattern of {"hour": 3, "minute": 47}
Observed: {"hour": 10, "minute": 4}
